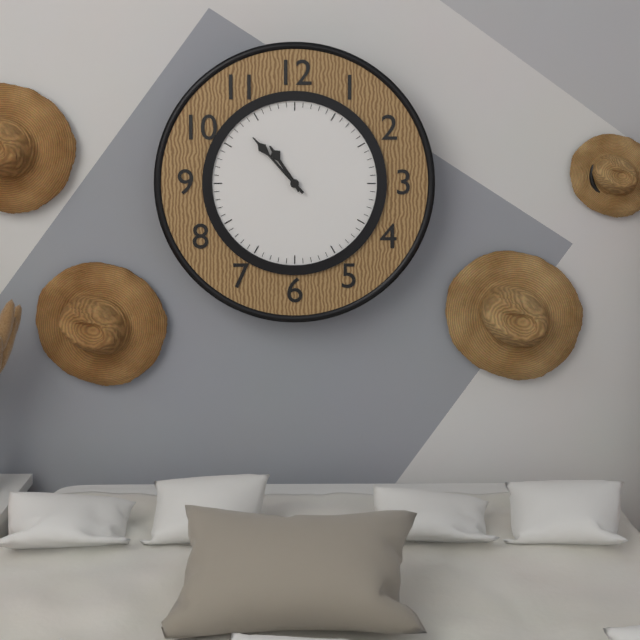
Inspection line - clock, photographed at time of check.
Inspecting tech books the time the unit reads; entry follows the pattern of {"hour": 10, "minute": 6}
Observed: {"hour": 10, "minute": 53}
